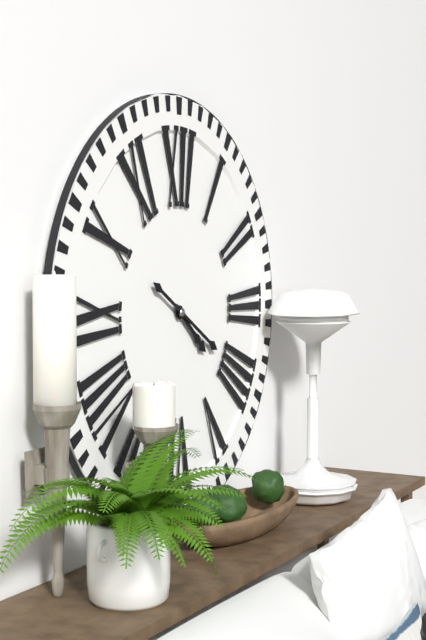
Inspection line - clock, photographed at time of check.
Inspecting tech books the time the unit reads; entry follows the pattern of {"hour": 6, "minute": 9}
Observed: {"hour": 4, "minute": 20}
